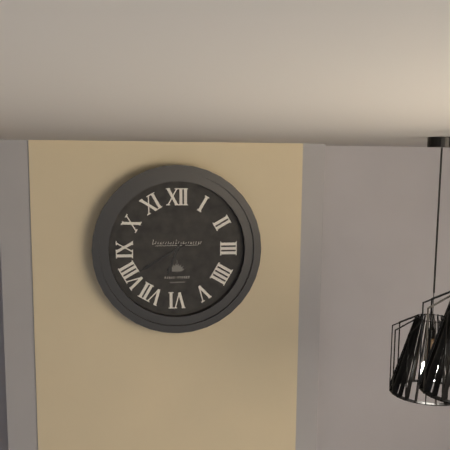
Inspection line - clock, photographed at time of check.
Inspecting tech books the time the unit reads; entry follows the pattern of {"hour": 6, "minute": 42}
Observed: {"hour": 6, "minute": 40}
